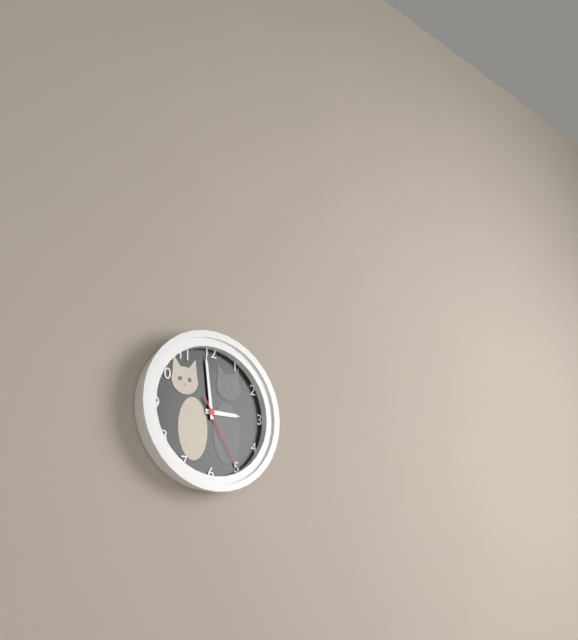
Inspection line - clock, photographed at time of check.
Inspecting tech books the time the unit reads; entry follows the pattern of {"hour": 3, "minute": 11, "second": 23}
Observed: {"hour": 2, "minute": 59, "second": 25}
